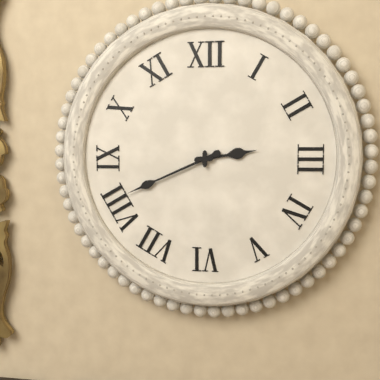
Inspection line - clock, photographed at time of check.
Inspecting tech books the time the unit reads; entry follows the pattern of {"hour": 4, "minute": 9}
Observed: {"hour": 2, "minute": 41}
